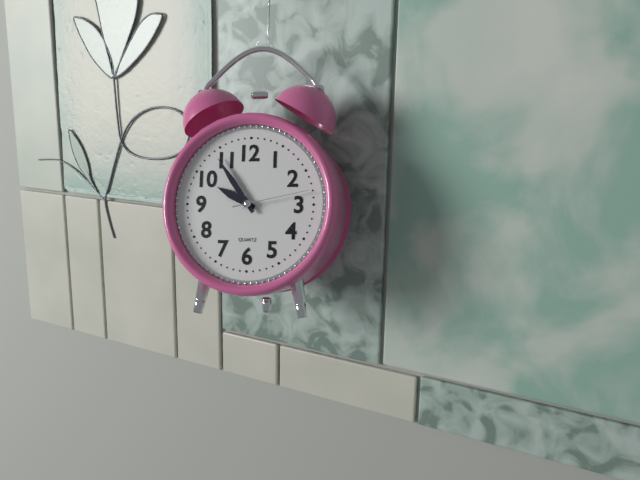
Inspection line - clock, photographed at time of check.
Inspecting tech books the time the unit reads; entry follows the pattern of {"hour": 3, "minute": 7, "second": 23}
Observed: {"hour": 9, "minute": 54, "second": 13}
